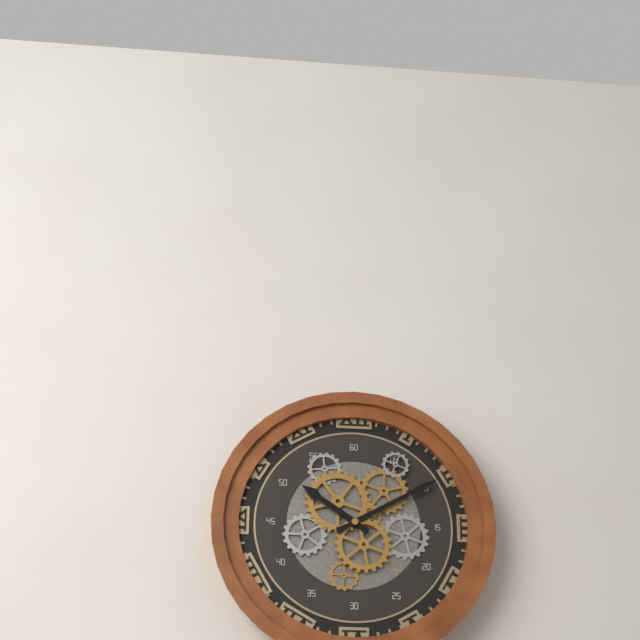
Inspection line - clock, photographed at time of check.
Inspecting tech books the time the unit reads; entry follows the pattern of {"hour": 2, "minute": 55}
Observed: {"hour": 10, "minute": 10}
